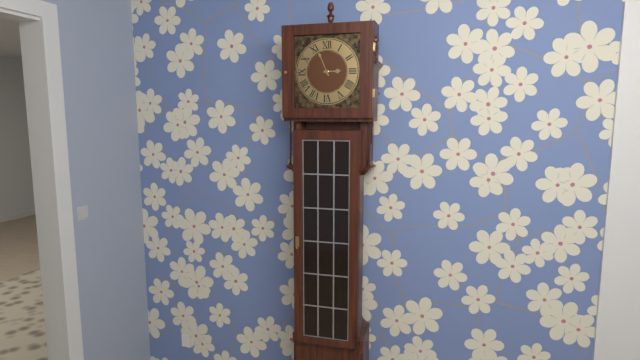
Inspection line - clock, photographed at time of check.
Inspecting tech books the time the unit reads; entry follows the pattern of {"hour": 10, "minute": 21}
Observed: {"hour": 2, "minute": 56}
